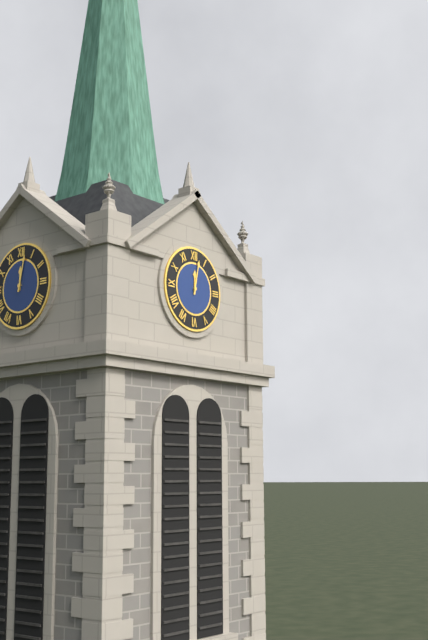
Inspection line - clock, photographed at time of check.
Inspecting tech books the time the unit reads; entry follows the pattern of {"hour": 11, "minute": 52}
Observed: {"hour": 12, "minute": 2}
